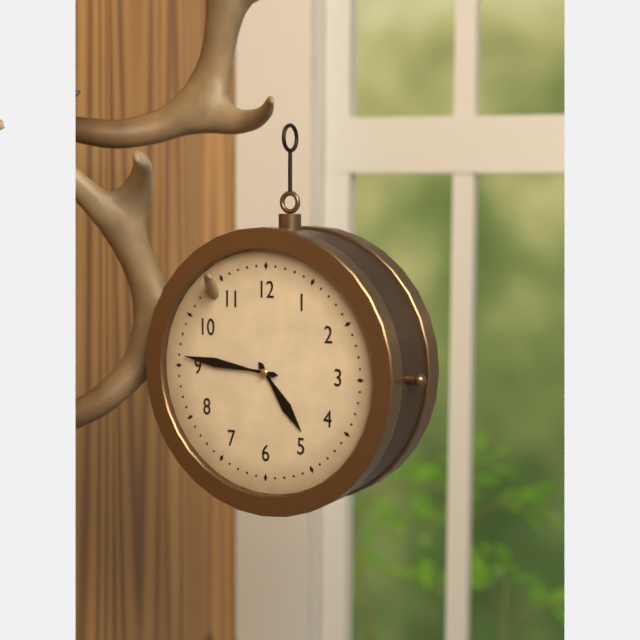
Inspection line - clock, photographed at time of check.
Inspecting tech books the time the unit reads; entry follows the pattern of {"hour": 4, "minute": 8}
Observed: {"hour": 4, "minute": 46}
